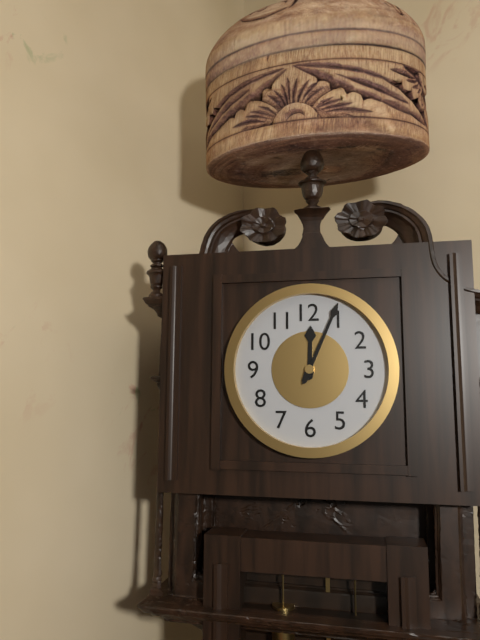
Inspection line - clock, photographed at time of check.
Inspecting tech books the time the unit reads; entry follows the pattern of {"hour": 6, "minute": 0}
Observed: {"hour": 12, "minute": 4}
